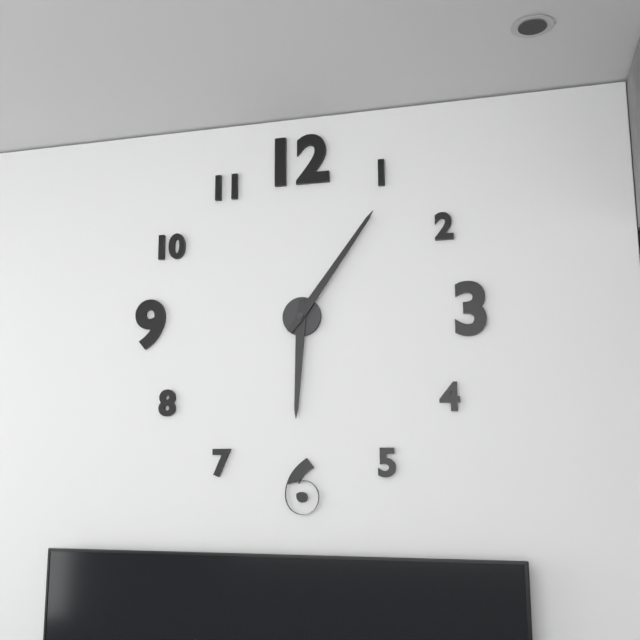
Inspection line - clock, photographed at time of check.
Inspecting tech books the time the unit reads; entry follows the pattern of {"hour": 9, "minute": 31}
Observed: {"hour": 6, "minute": 6}
